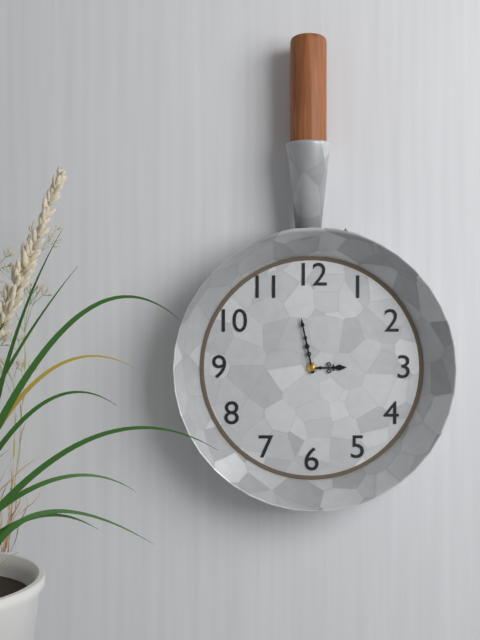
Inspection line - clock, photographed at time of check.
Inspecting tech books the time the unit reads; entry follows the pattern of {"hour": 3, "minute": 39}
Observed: {"hour": 2, "minute": 58}
